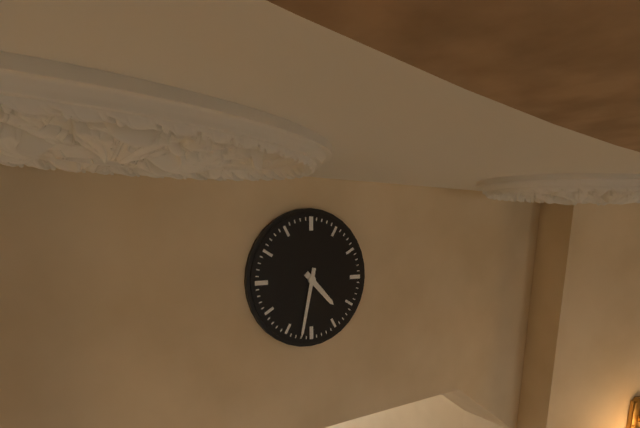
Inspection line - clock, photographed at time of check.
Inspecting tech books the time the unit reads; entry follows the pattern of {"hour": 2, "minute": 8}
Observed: {"hour": 4, "minute": 32}
